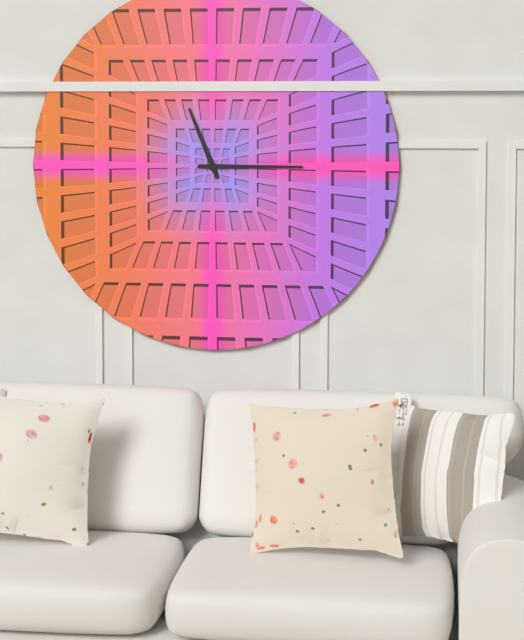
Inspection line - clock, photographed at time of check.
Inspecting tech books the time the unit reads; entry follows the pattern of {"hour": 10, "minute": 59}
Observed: {"hour": 11, "minute": 15}
